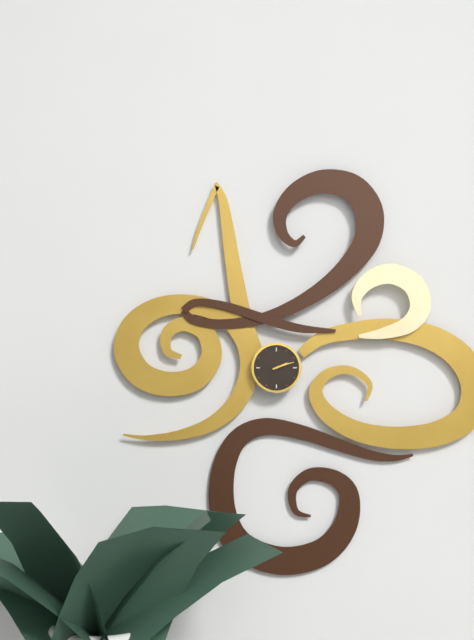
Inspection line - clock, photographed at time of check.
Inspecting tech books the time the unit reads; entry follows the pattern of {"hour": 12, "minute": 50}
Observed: {"hour": 2, "minute": 12}
